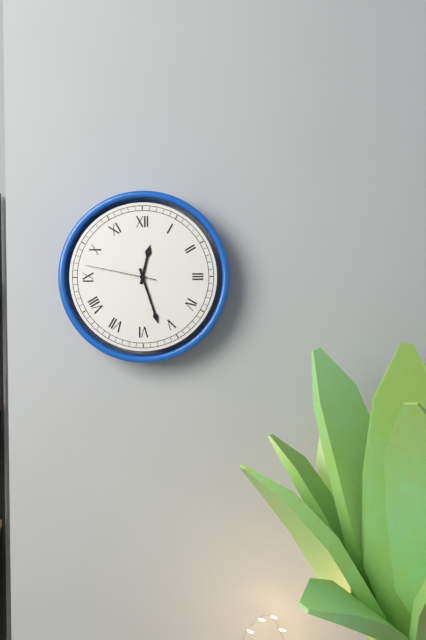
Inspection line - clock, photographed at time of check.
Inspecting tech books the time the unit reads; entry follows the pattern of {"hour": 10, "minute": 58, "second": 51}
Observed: {"hour": 12, "minute": 27, "second": 47}
